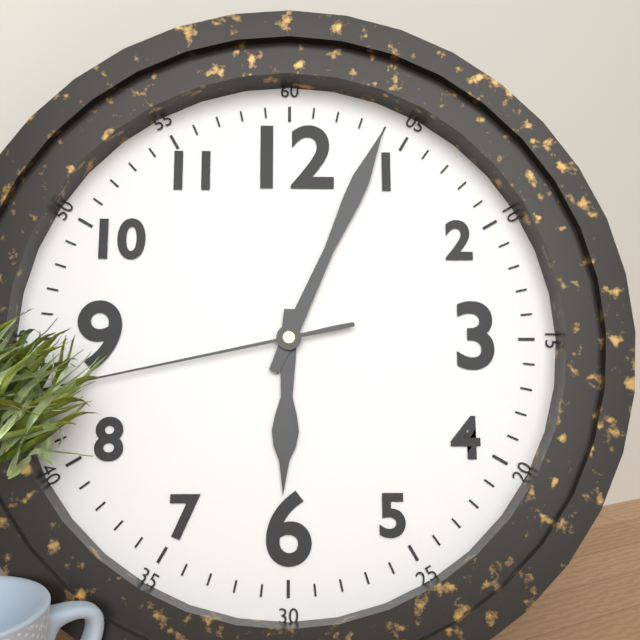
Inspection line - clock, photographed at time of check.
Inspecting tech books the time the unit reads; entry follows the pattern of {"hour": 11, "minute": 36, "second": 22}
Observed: {"hour": 6, "minute": 4, "second": 43}
